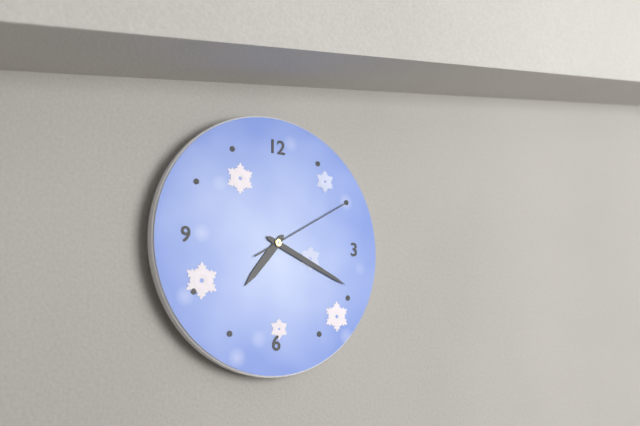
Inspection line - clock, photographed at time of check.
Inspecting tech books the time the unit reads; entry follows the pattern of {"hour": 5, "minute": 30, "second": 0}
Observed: {"hour": 7, "minute": 19, "second": 10}
